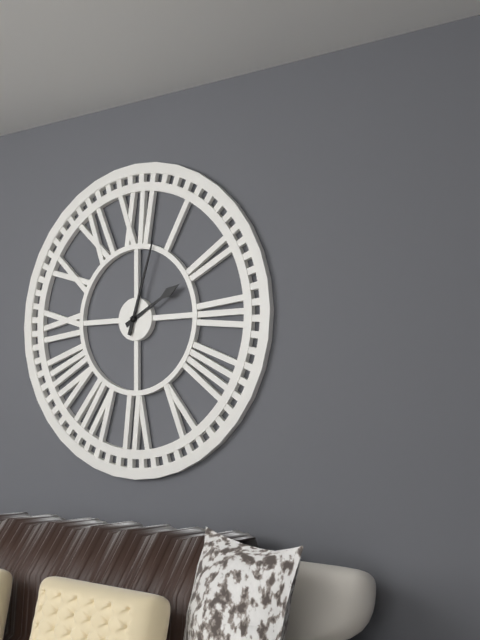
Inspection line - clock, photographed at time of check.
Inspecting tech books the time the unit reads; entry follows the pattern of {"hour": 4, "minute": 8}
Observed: {"hour": 2, "minute": 3}
